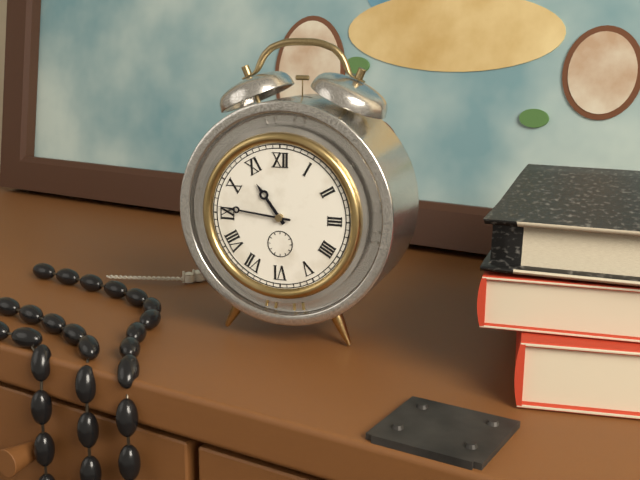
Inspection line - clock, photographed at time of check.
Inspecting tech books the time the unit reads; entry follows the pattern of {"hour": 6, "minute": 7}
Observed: {"hour": 10, "minute": 46}
